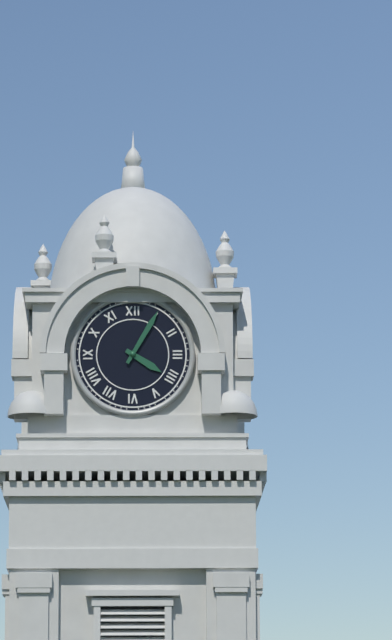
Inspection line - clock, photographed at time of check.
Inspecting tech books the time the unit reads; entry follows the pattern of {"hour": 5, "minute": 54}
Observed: {"hour": 4, "minute": 5}
